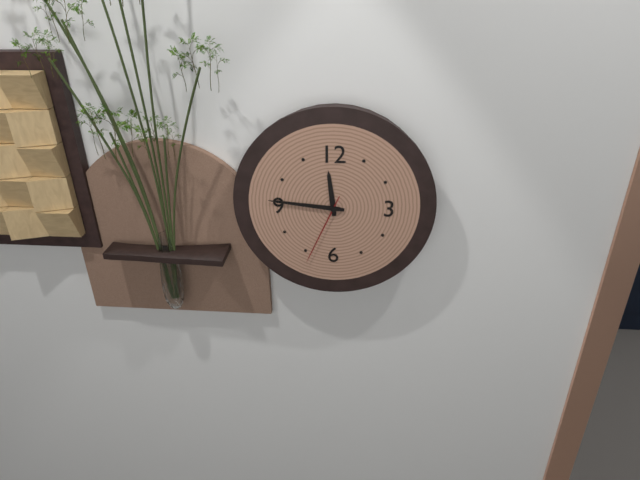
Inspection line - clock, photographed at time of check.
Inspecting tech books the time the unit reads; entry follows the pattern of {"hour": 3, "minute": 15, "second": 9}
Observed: {"hour": 11, "minute": 46, "second": 34}
